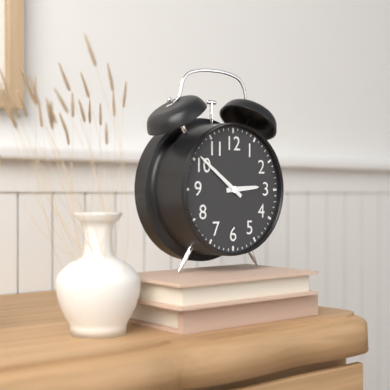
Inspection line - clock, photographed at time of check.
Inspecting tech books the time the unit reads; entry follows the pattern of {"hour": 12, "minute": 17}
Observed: {"hour": 2, "minute": 51}
